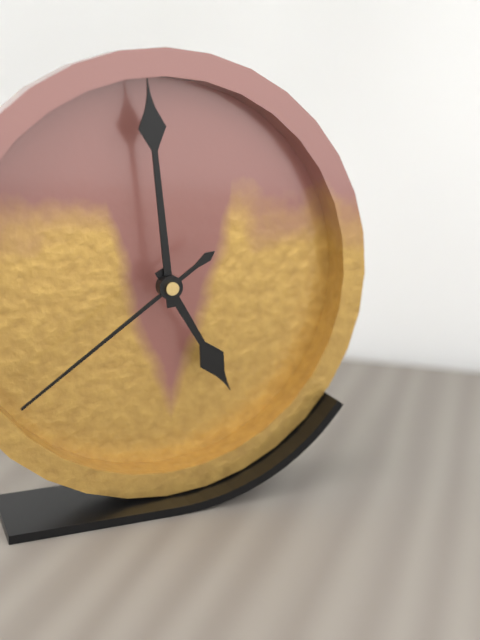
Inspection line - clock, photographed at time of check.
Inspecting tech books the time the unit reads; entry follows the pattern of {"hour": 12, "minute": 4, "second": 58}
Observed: {"hour": 4, "minute": 59, "second": 39}
